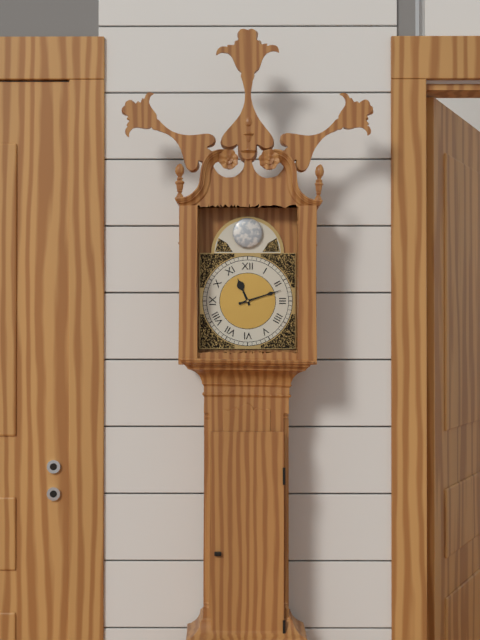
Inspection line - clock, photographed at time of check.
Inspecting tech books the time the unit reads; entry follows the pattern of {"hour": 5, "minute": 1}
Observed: {"hour": 11, "minute": 12}
